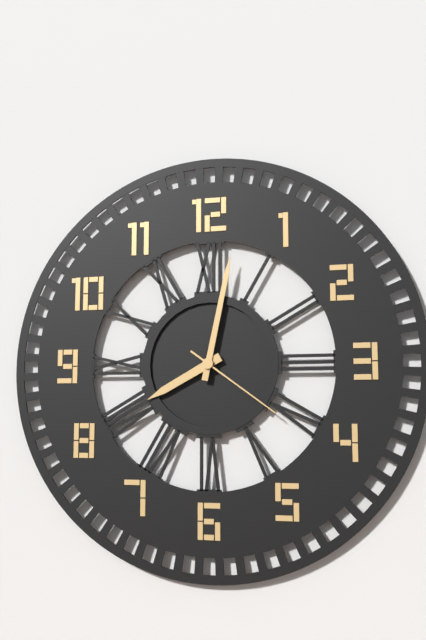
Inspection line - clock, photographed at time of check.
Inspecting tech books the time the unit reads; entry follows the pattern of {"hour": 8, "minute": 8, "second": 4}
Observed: {"hour": 8, "minute": 2, "second": 21}
